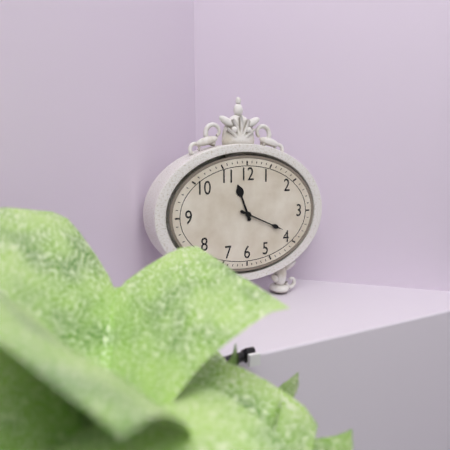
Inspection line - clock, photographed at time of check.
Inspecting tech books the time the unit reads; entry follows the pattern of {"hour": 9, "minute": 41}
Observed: {"hour": 11, "minute": 19}
